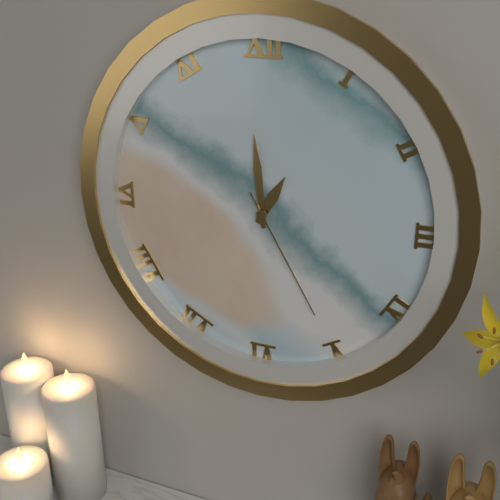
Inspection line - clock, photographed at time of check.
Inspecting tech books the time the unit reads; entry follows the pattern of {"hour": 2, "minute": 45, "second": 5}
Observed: {"hour": 12, "minute": 59, "second": 25}
